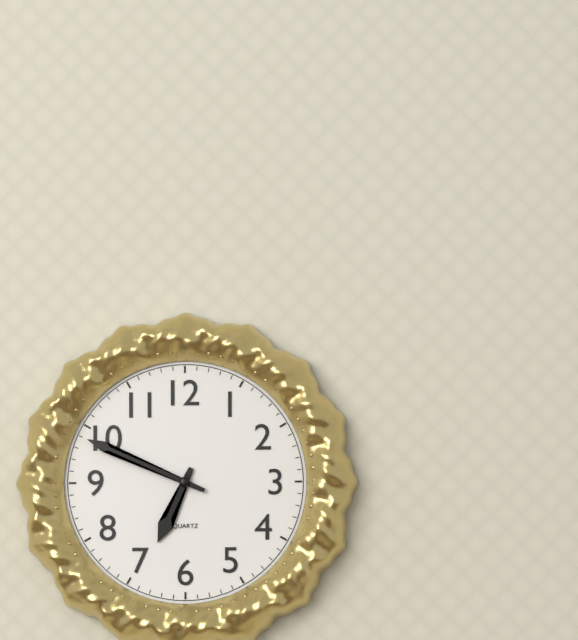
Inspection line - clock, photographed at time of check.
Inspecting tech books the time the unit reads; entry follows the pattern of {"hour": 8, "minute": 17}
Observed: {"hour": 6, "minute": 49}
